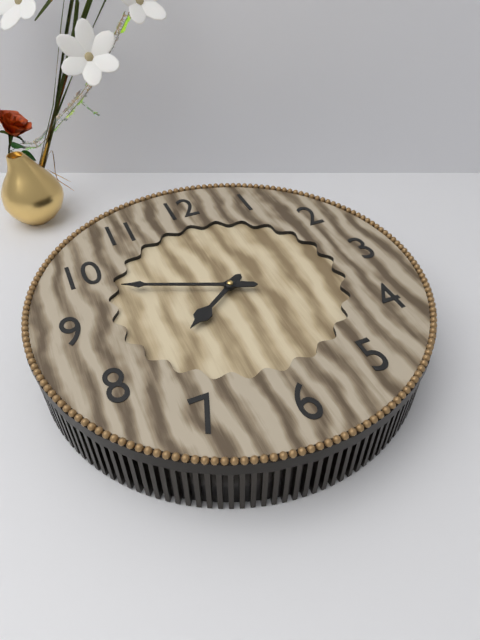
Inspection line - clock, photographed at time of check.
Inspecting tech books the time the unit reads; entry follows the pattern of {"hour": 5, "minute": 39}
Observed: {"hour": 7, "minute": 49}
